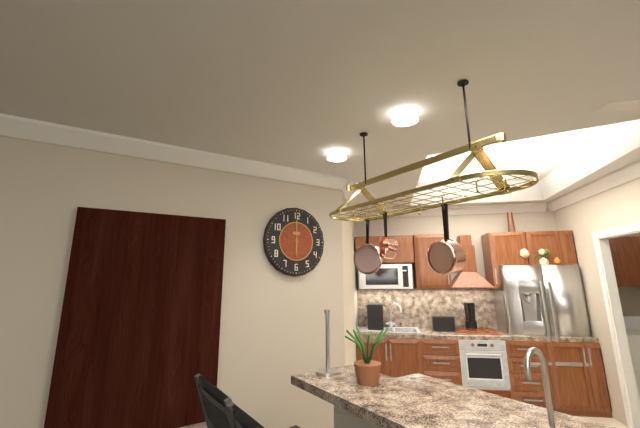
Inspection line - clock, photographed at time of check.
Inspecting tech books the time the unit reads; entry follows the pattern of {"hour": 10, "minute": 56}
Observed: {"hour": 6, "minute": 0}
